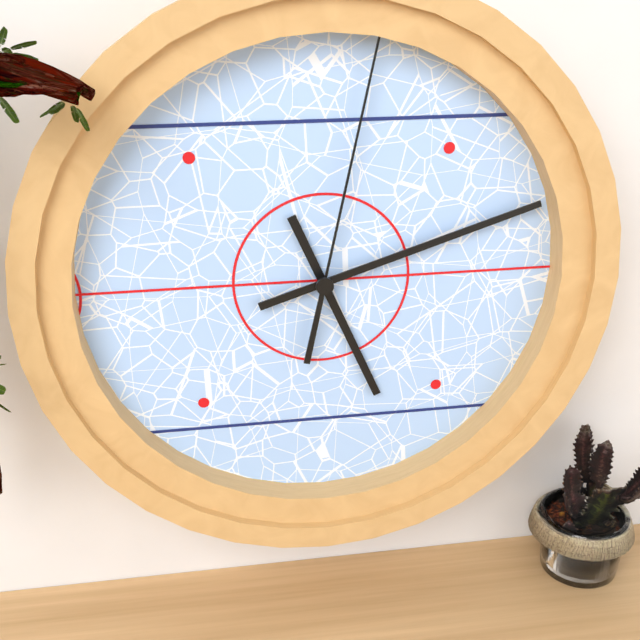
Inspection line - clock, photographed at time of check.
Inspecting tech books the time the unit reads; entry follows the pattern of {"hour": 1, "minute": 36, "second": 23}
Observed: {"hour": 5, "minute": 12, "second": 2}
